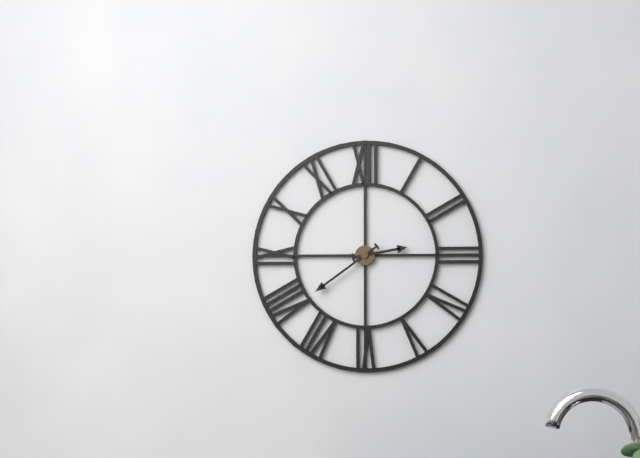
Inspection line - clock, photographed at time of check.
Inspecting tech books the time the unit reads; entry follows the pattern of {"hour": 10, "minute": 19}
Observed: {"hour": 2, "minute": 39}
